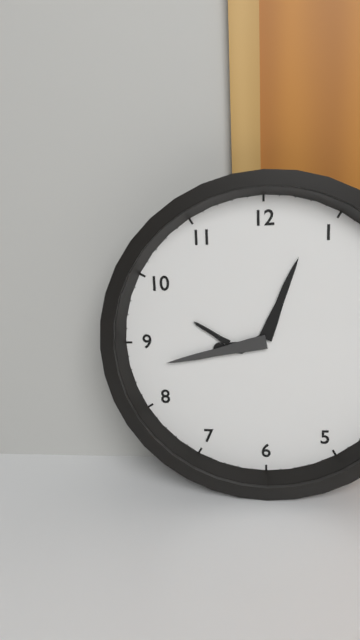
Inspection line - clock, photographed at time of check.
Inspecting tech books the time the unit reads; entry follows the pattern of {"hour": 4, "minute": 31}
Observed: {"hour": 12, "minute": 43}
